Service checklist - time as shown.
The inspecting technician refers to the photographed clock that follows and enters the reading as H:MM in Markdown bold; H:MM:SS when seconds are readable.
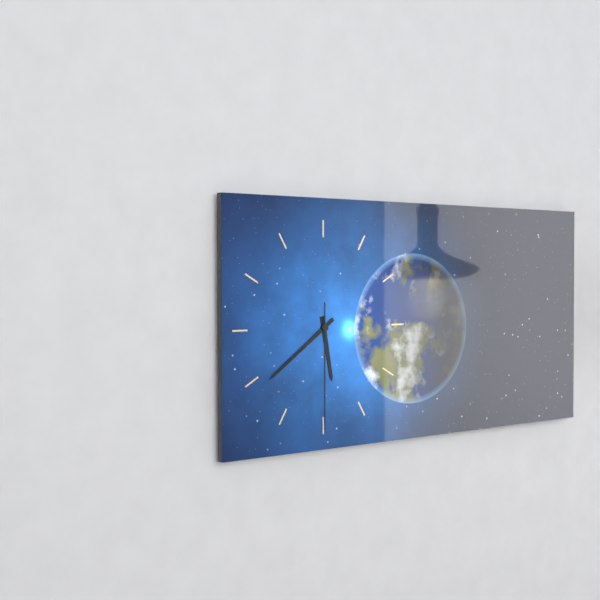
**5:39:30**
